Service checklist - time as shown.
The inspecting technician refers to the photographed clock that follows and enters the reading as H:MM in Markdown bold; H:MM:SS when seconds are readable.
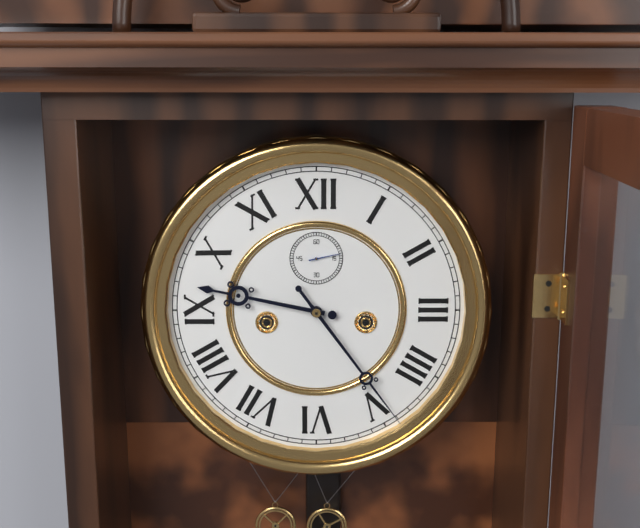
**9:24**
